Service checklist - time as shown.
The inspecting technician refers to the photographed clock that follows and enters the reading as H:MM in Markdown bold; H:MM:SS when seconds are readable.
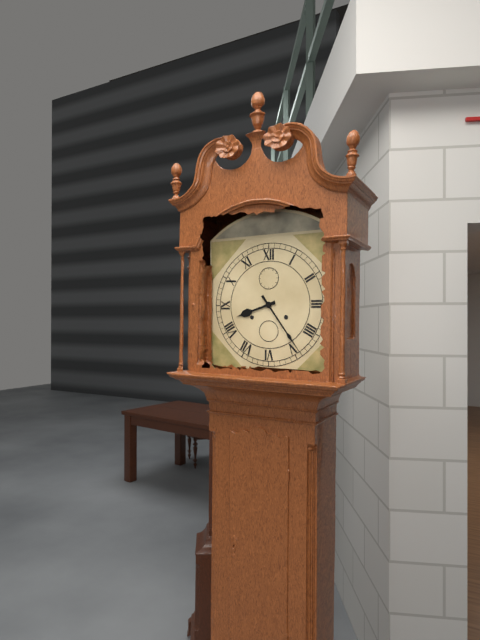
**8:24**
